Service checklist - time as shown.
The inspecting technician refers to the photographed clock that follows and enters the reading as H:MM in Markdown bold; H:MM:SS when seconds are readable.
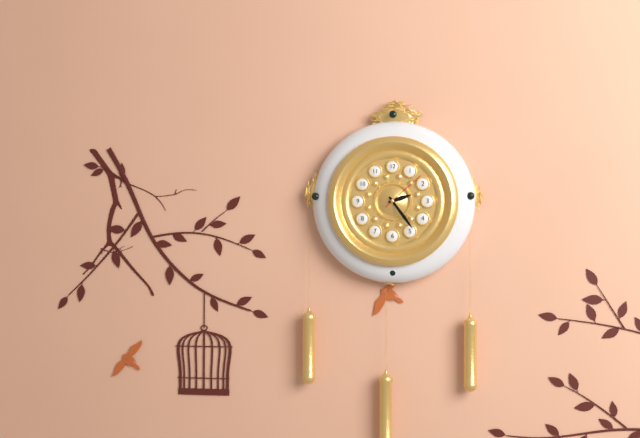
**2:24**
